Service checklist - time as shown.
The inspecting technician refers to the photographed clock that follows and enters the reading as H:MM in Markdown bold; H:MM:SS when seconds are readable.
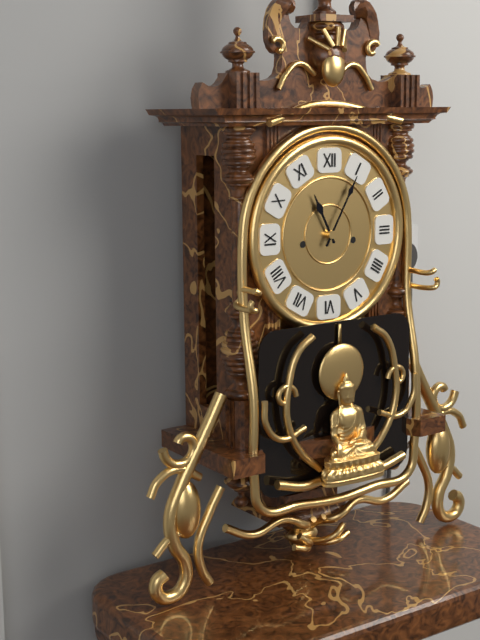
**11:05**
